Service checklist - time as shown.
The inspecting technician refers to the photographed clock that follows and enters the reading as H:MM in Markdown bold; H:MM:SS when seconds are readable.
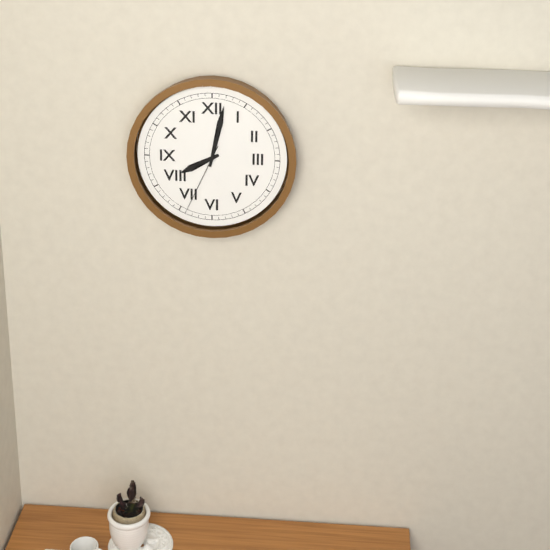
**8:02:34**
